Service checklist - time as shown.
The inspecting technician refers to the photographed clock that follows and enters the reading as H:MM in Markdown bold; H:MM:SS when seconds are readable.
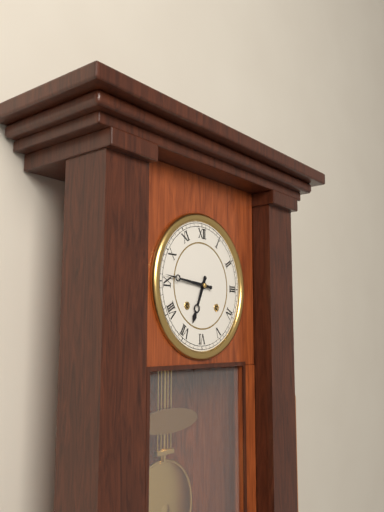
**6:46**
